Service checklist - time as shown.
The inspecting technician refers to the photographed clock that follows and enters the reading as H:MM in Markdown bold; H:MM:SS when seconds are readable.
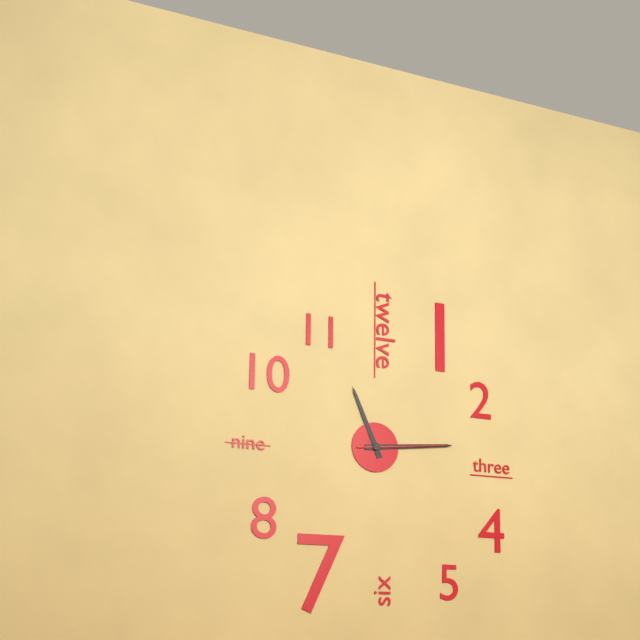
**11:14:14**
